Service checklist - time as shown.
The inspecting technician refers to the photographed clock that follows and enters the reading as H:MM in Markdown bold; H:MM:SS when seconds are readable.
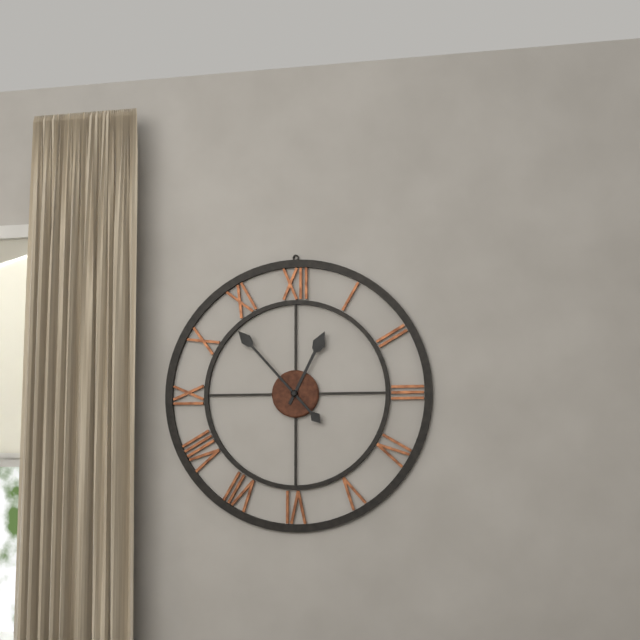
**12:53**
